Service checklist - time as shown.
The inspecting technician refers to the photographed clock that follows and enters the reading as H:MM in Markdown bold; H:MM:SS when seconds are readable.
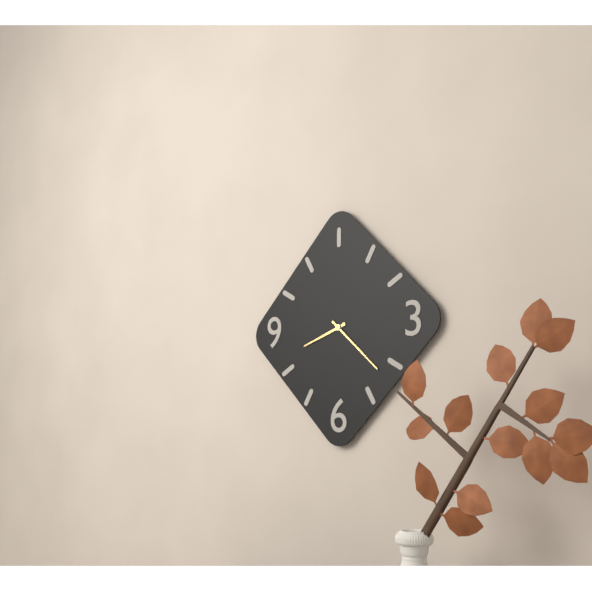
**8:22**
